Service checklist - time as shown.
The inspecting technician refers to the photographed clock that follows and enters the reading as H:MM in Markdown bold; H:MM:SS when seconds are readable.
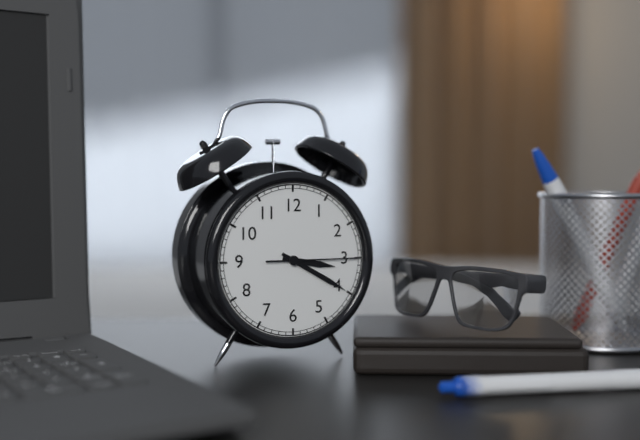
**3:20:15**
